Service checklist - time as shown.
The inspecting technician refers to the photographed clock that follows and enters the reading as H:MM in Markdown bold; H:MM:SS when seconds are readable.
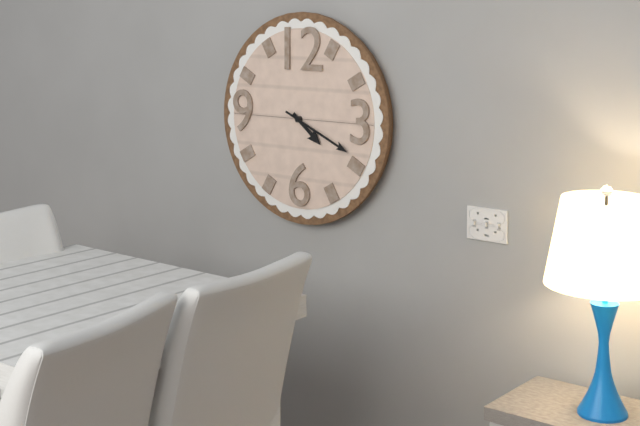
**4:19**
